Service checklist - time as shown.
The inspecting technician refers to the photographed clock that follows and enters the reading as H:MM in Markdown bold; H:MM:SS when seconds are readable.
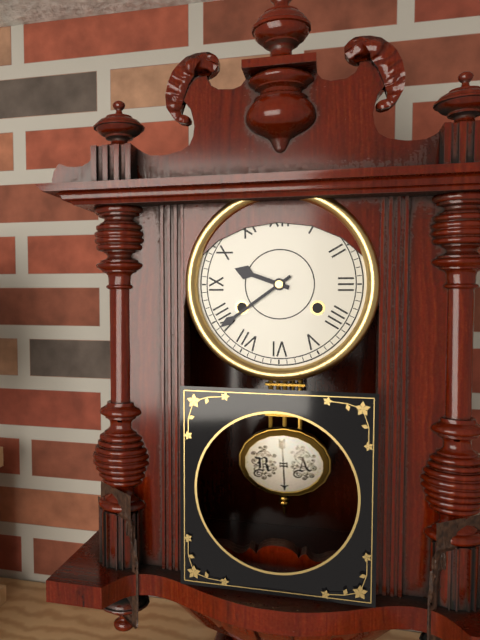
**9:39**
